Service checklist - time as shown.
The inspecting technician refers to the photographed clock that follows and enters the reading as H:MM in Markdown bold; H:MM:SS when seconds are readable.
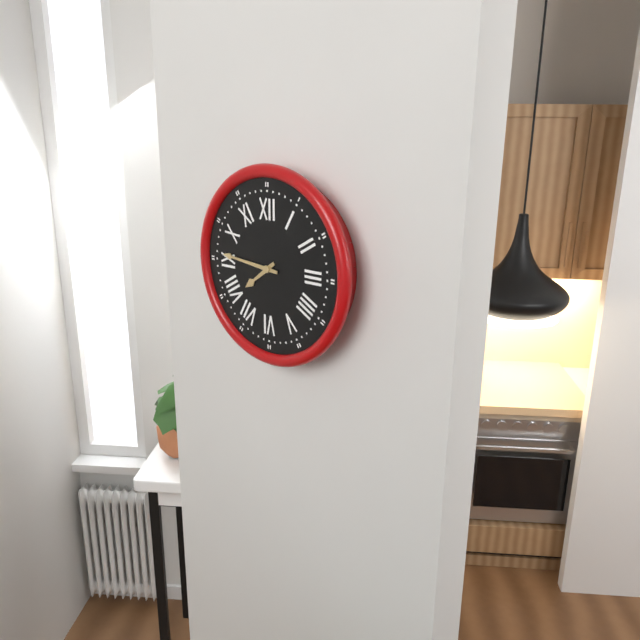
**7:46**
